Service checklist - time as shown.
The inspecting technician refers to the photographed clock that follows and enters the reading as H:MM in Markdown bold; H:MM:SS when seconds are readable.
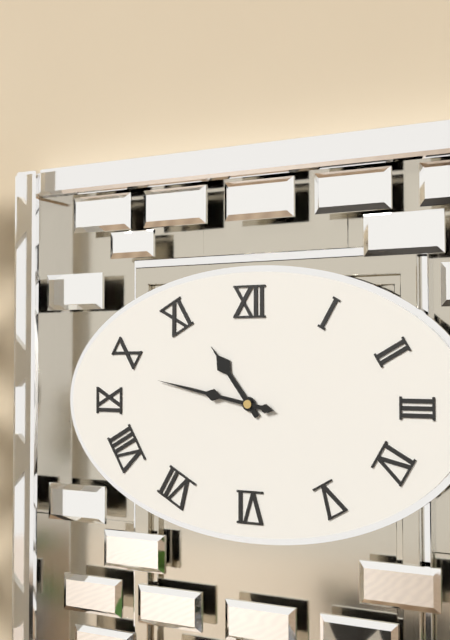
**10:47**
